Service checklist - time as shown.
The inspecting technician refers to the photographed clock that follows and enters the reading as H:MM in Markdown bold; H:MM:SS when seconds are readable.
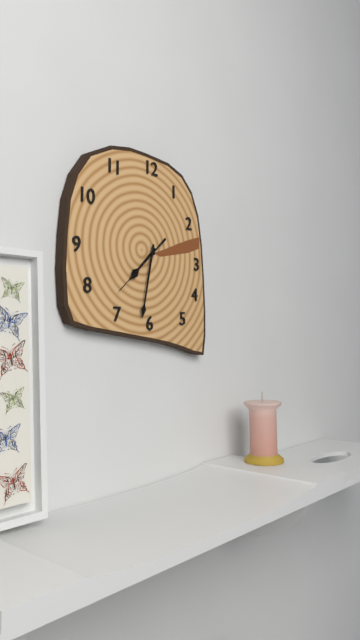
**7:32:38**
